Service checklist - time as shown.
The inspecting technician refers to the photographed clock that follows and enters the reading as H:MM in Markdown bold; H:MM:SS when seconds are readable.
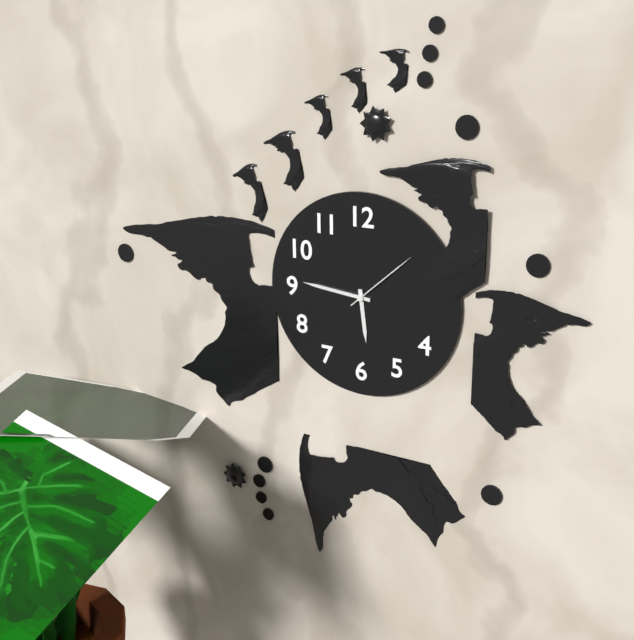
**5:46:08**
